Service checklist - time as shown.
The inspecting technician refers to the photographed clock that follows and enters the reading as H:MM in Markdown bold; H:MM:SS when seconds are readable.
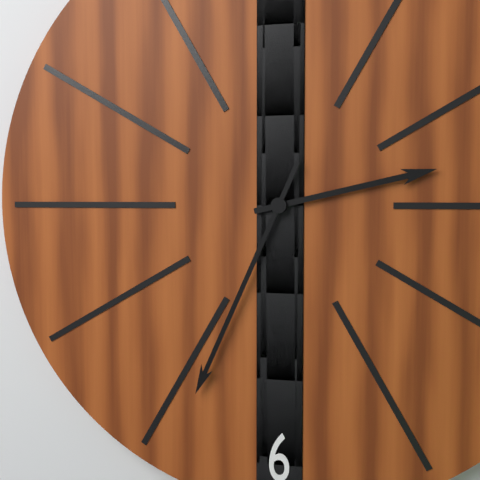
**2:34**
